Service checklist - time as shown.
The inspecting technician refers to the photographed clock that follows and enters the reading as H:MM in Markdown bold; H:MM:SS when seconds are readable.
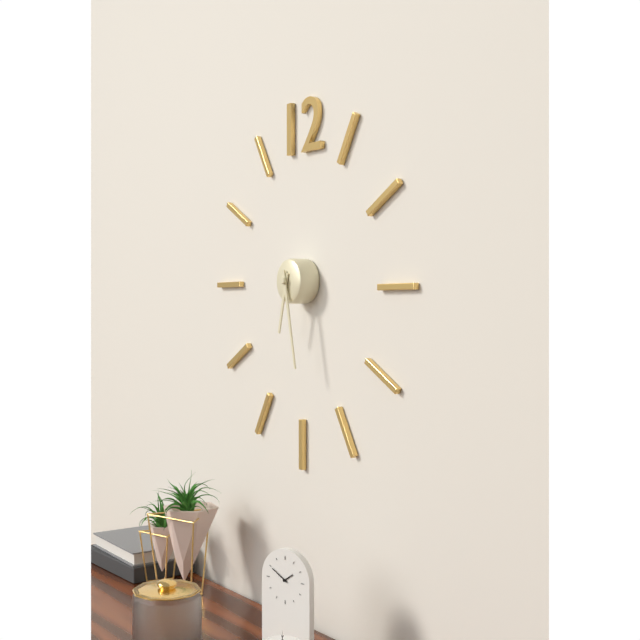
**6:28**
